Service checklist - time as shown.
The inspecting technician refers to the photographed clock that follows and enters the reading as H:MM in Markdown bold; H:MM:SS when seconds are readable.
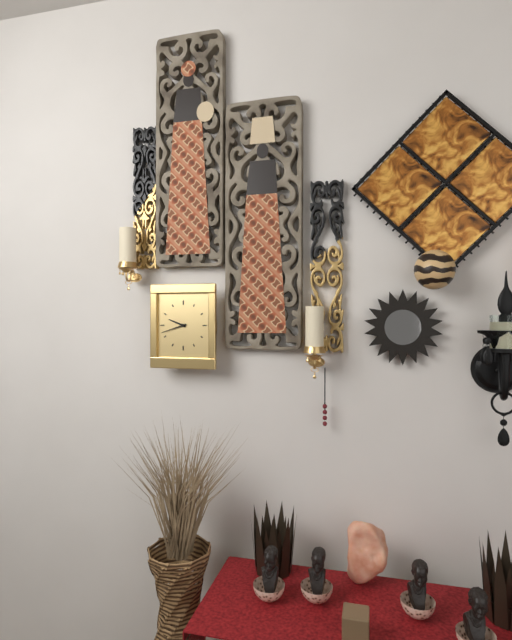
**9:42**
